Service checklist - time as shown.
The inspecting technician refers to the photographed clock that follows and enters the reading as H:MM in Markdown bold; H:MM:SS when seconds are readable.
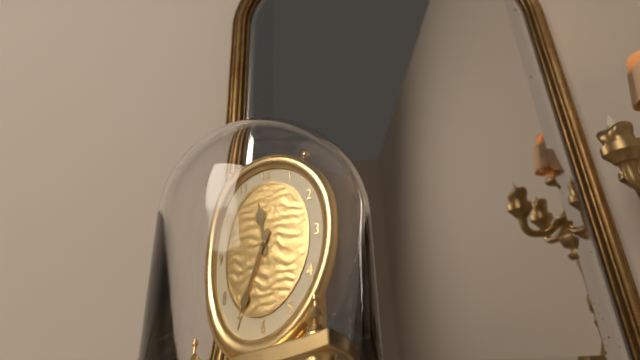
**11:35**
